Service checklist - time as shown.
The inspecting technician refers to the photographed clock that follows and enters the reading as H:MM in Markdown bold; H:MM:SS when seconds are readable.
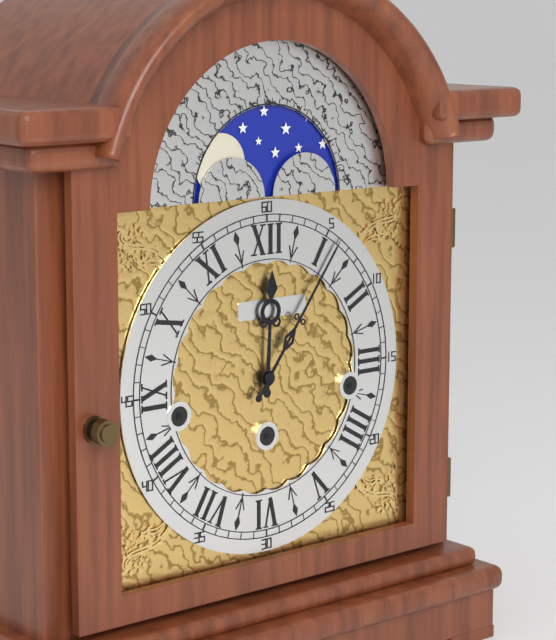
**12:06**
